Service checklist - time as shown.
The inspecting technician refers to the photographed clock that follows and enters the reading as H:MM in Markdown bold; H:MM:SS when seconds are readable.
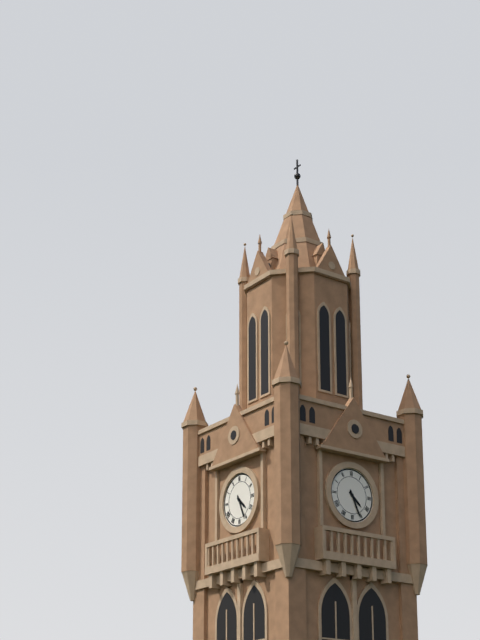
**4:26**
